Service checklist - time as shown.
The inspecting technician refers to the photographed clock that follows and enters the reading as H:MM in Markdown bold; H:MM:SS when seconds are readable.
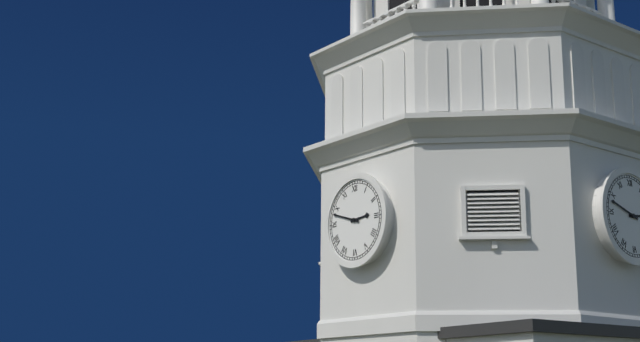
**2:48**
